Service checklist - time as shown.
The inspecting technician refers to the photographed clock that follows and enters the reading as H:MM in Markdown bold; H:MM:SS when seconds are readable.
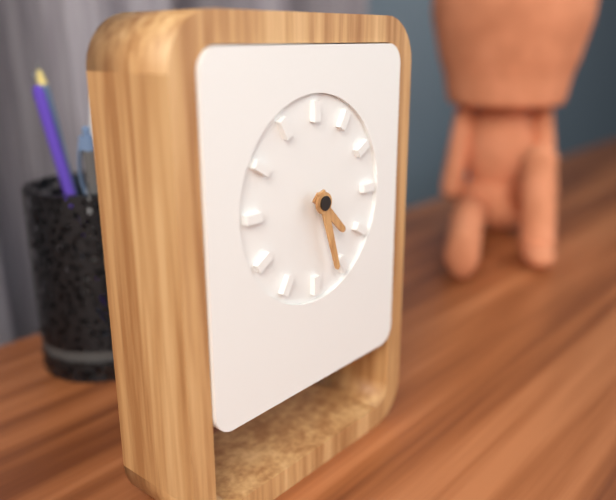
**4:27**
